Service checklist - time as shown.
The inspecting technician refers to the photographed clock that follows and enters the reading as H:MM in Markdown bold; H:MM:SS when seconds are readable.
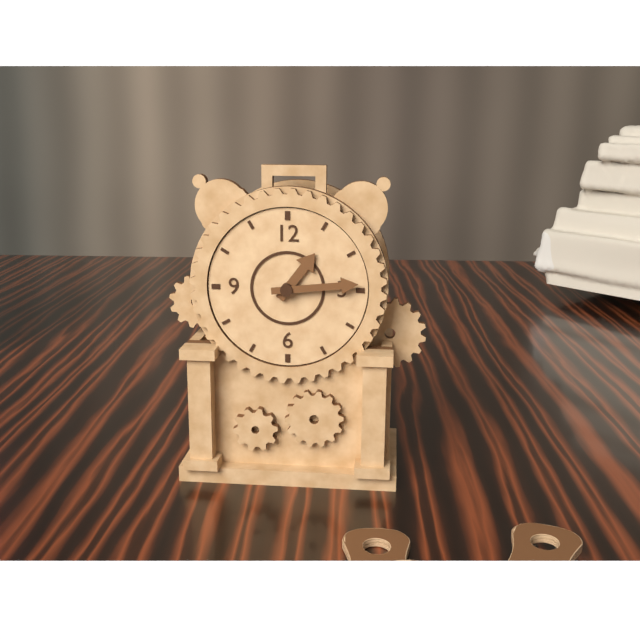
**1:14**
